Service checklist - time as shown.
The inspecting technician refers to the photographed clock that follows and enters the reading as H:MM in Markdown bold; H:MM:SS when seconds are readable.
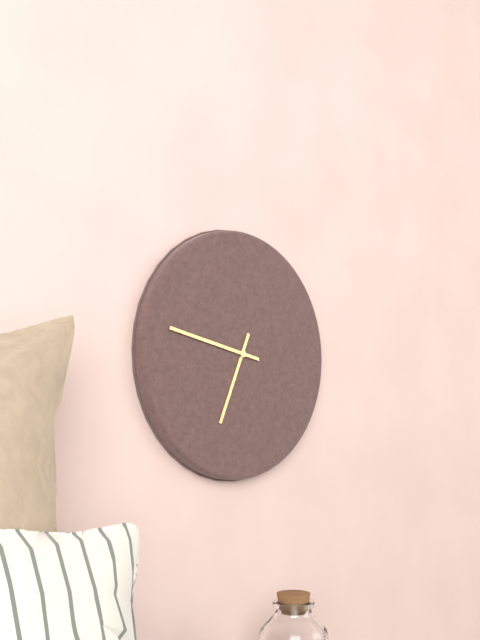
**6:47**
